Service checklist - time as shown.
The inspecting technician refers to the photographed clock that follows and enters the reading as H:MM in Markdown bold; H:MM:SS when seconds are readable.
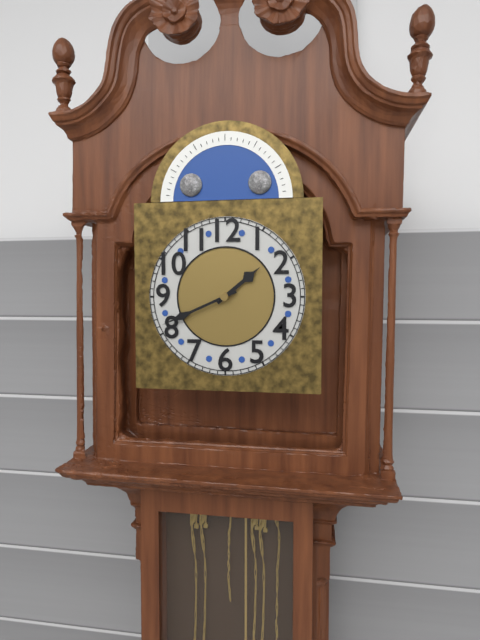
**1:41**
